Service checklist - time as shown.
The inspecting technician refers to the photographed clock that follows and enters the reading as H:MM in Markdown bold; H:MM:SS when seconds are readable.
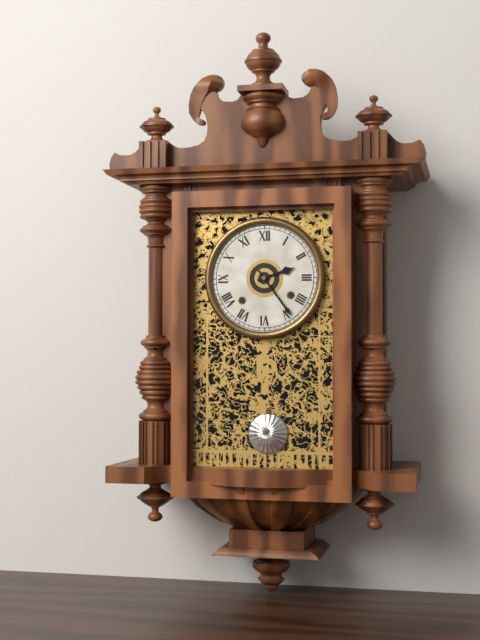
**2:24**
